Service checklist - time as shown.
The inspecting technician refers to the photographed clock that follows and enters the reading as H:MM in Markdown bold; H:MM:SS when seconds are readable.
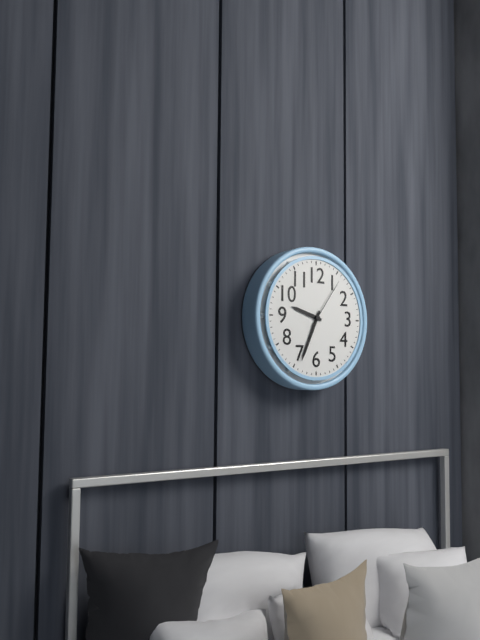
**9:34:06**
